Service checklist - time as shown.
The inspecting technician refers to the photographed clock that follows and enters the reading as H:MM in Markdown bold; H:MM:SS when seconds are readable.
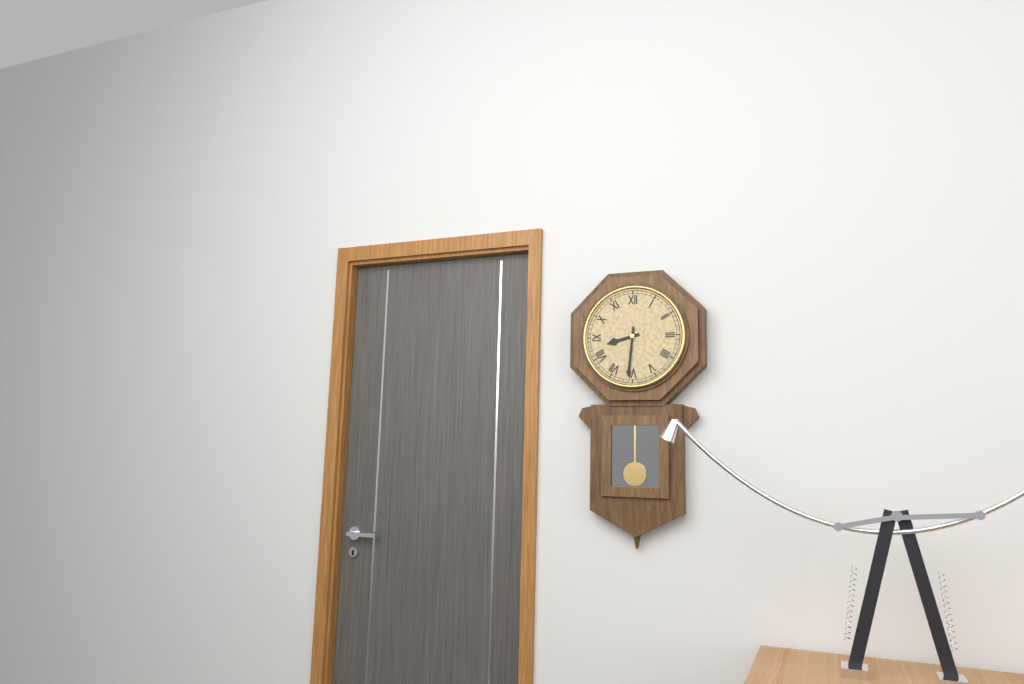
**8:31**
